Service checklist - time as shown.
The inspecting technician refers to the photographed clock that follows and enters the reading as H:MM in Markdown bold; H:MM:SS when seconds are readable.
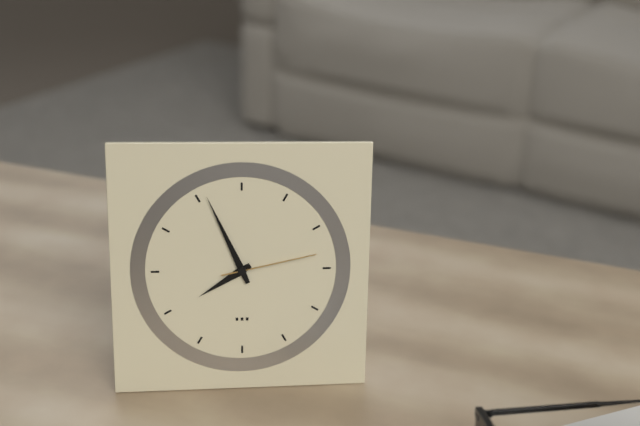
**7:56:13**
